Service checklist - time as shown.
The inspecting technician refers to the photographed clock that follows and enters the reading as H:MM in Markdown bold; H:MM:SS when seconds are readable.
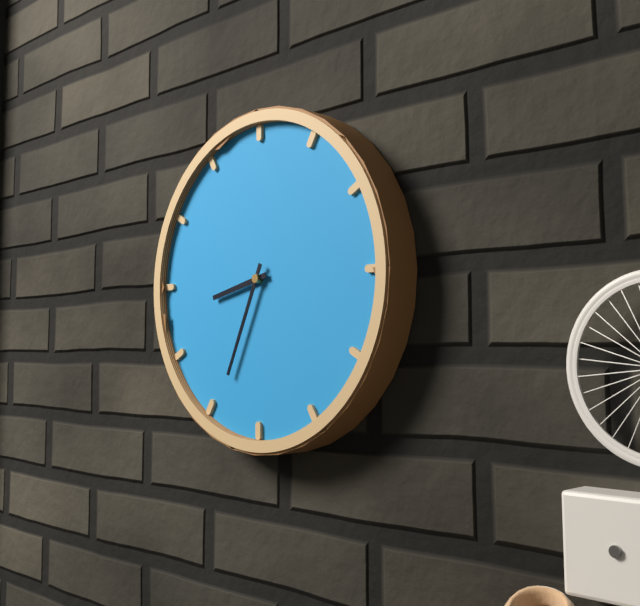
**8:34**
